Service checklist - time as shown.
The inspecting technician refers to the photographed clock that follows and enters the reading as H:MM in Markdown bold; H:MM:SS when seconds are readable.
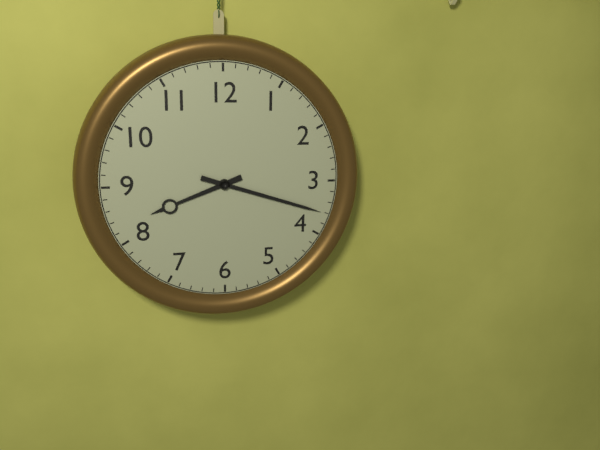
**8:18**
